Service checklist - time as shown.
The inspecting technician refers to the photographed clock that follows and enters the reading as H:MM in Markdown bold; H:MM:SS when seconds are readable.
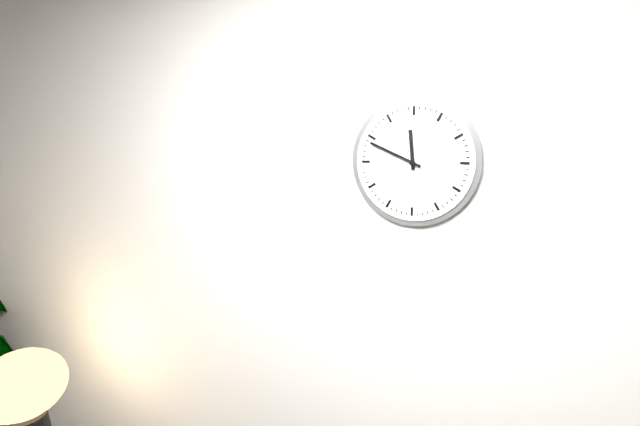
**11:49**
